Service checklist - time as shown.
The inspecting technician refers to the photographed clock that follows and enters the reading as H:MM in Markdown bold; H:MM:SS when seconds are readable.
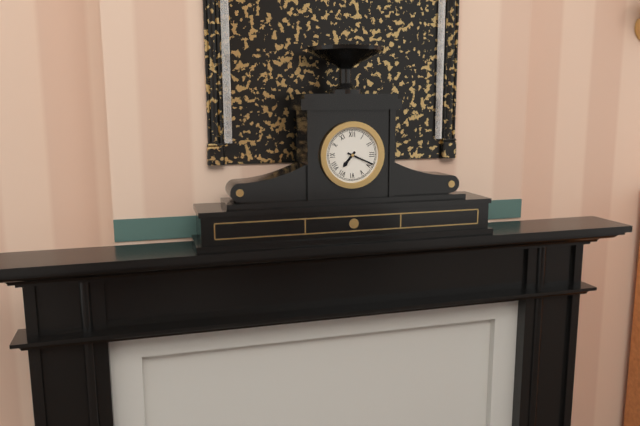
**7:19**
